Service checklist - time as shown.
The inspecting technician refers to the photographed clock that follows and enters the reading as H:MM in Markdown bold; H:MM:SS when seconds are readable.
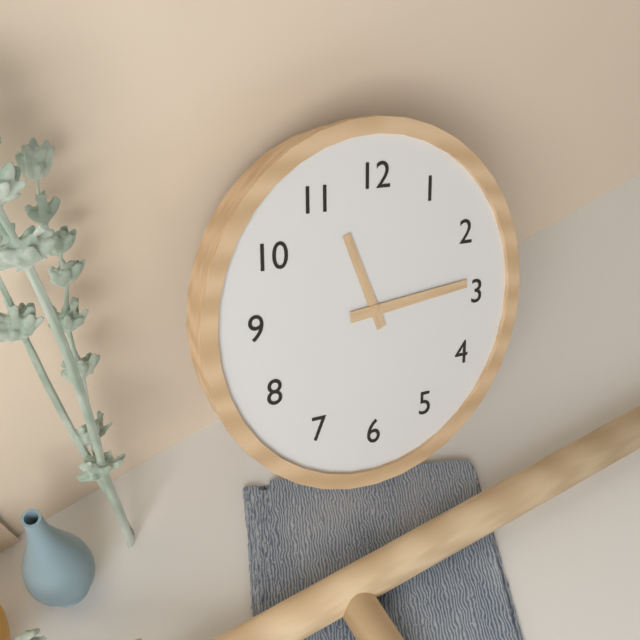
**11:14**
